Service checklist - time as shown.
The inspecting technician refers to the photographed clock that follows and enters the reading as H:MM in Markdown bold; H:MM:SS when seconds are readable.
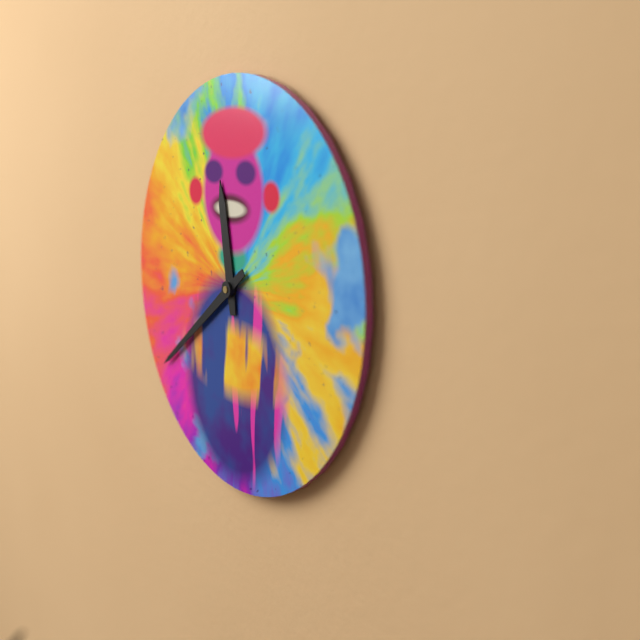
**11:39**
